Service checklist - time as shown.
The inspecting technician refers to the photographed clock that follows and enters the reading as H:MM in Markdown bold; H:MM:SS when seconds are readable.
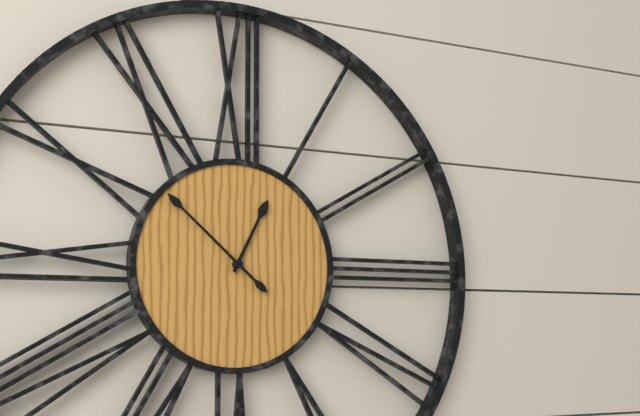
**12:52**
